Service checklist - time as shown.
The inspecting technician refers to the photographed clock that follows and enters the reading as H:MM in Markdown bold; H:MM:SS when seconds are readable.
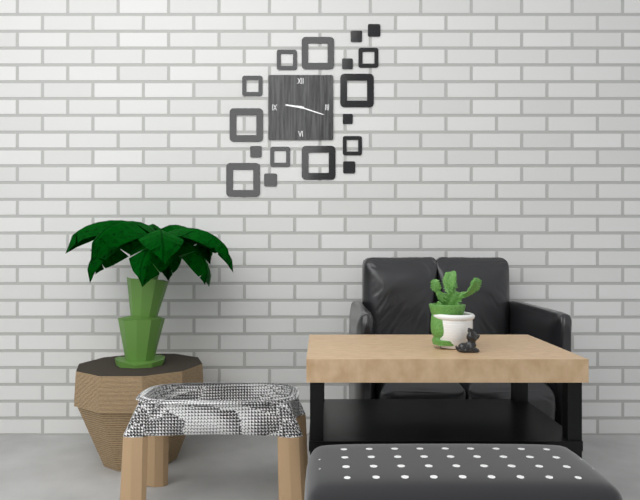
**9:18**
